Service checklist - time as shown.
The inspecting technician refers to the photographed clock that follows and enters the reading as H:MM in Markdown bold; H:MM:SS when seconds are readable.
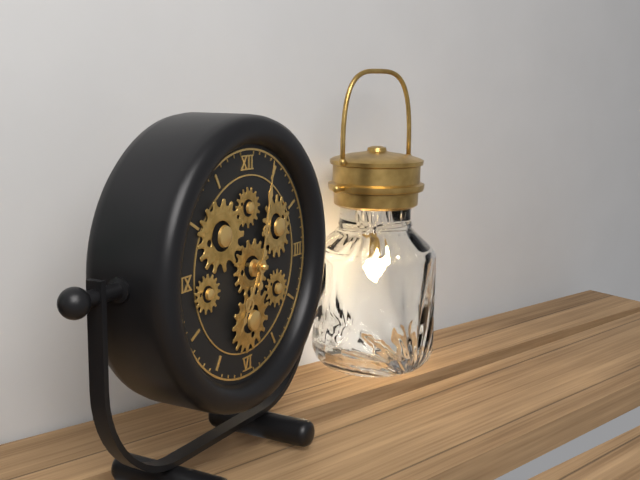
**7:02**
